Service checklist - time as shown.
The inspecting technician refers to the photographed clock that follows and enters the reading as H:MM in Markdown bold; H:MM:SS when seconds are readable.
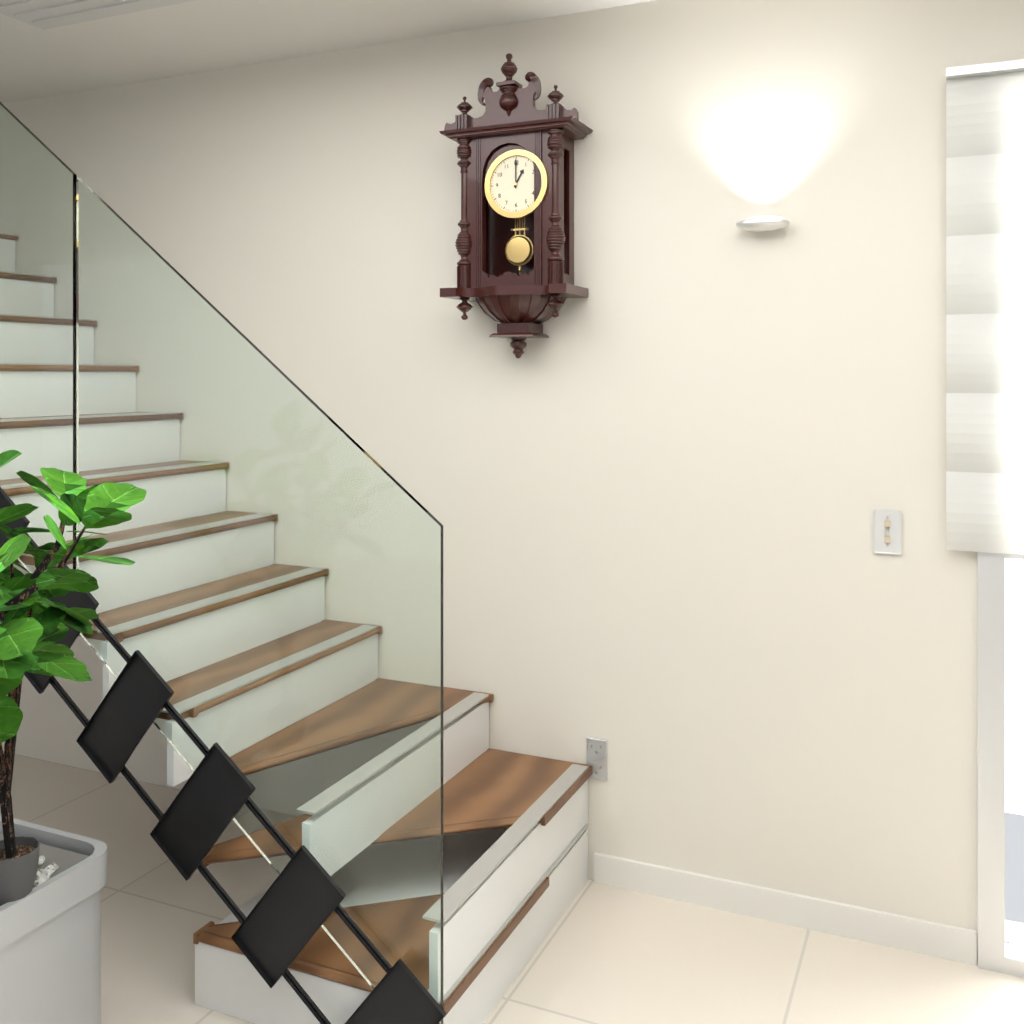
**1:00**
